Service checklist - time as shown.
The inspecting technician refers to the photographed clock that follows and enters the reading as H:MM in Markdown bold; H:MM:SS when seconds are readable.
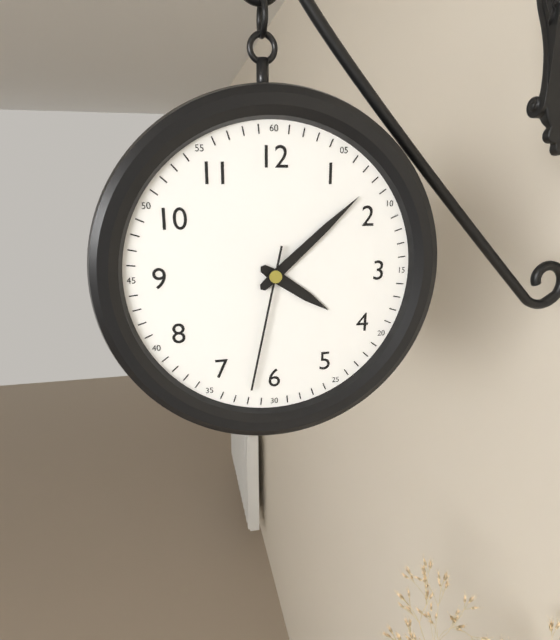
**4:08:32**
